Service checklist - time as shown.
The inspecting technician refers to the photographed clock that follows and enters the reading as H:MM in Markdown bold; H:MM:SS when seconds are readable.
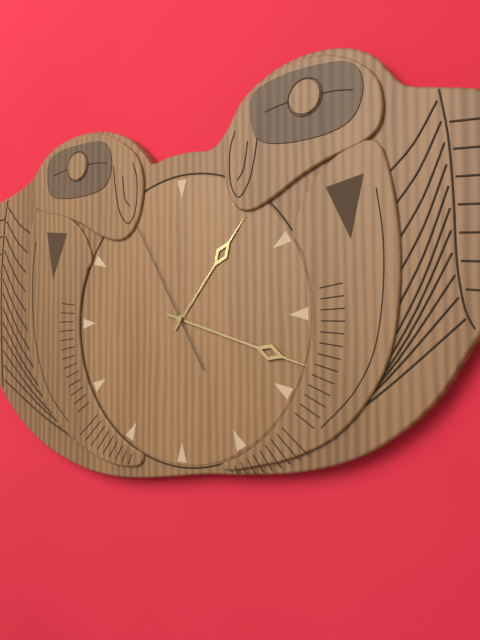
**1:18:55**
